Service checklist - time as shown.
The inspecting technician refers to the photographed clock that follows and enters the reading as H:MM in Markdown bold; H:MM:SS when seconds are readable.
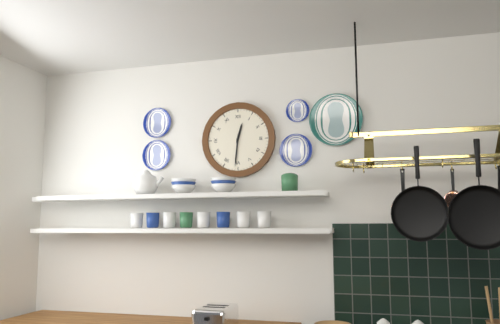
**12:31**
